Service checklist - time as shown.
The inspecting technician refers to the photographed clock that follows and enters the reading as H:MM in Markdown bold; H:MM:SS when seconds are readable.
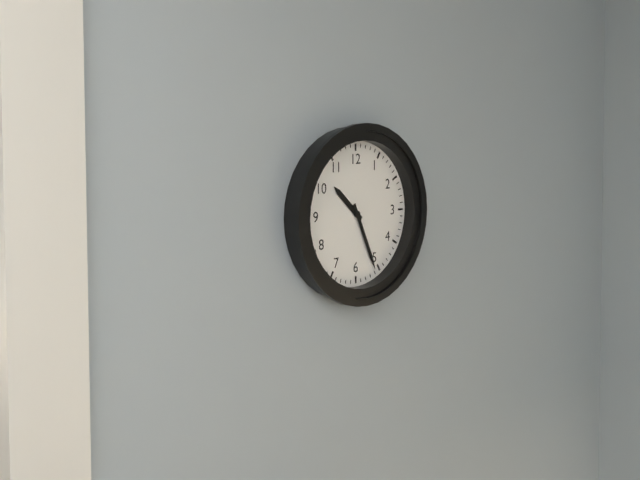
**10:26**
